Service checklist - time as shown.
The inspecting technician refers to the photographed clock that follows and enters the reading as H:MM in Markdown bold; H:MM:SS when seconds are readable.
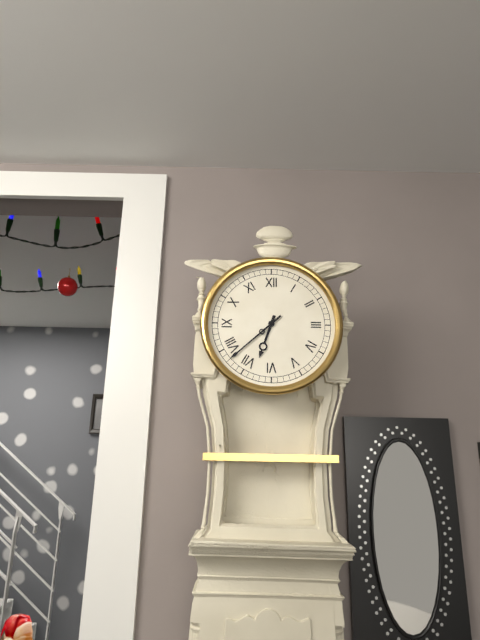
**6:38**
